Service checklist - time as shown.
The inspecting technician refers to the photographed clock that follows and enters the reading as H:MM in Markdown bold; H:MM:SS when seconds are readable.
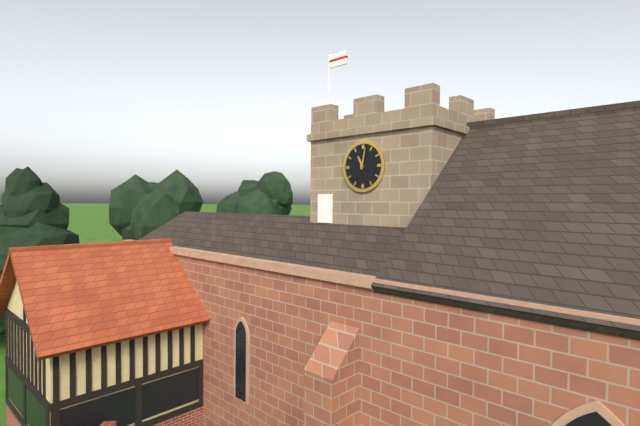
**11:02**
